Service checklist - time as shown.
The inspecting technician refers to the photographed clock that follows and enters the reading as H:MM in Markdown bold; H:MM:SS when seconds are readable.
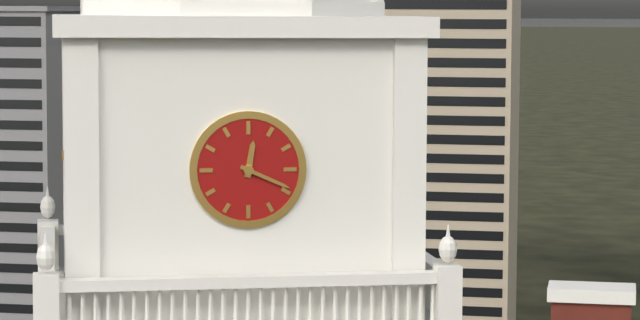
**12:19**
